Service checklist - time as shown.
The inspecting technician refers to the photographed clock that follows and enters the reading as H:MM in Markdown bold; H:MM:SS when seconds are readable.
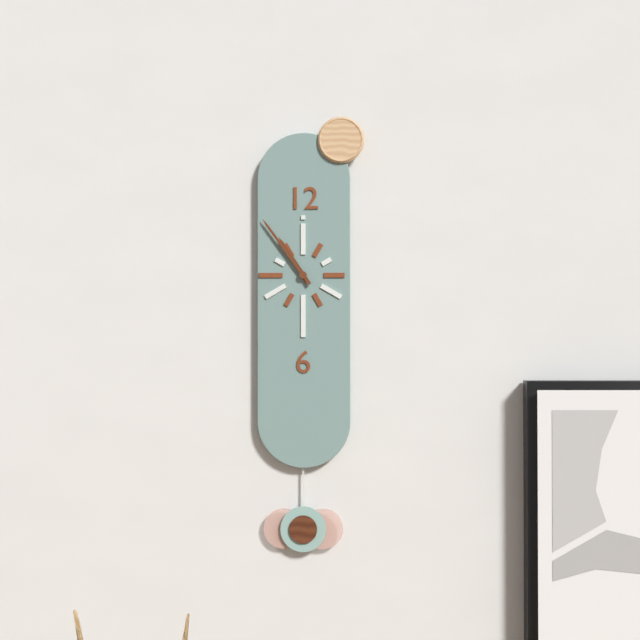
**10:54**
